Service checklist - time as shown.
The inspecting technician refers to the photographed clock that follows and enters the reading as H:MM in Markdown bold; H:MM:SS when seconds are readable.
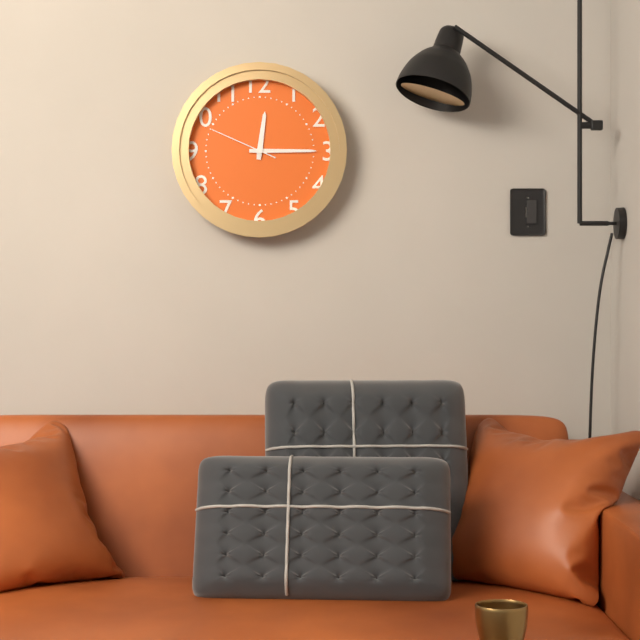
**12:15:49**
